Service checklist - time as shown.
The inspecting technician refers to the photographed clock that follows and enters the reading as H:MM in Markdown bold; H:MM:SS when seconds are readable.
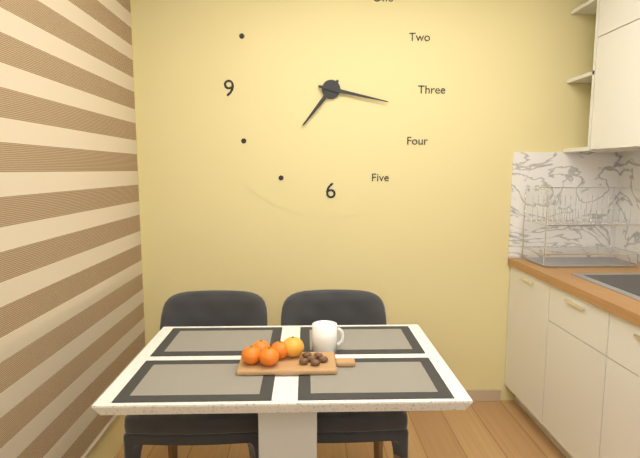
**7:17**
